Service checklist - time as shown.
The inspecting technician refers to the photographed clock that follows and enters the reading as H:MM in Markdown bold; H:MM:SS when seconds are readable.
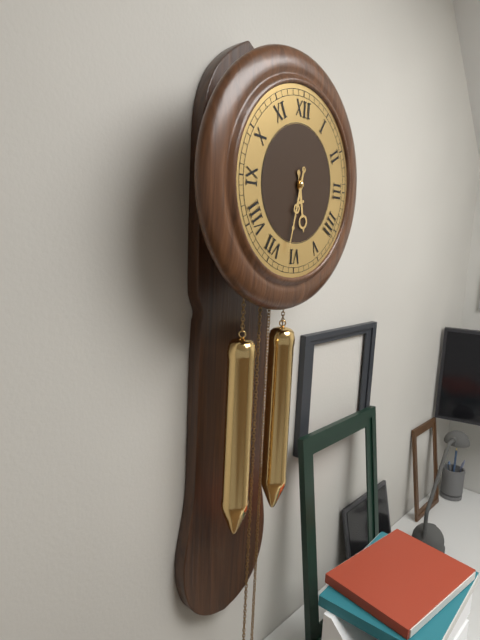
**5:32**
